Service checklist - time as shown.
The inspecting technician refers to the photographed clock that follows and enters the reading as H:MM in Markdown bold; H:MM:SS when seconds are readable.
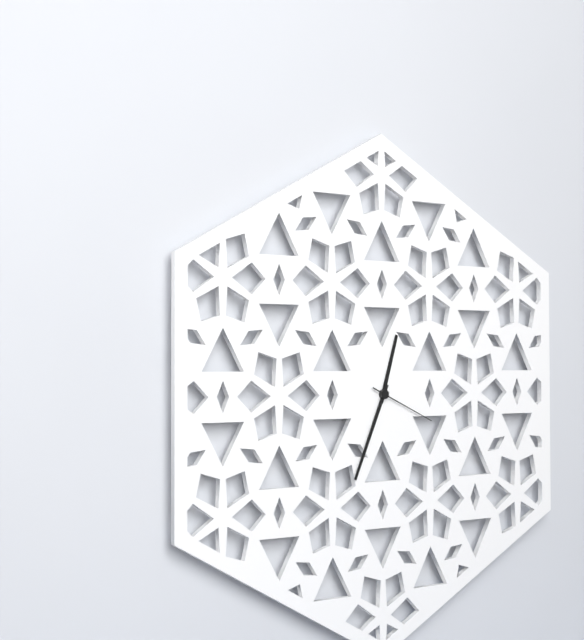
**12:34:19**
